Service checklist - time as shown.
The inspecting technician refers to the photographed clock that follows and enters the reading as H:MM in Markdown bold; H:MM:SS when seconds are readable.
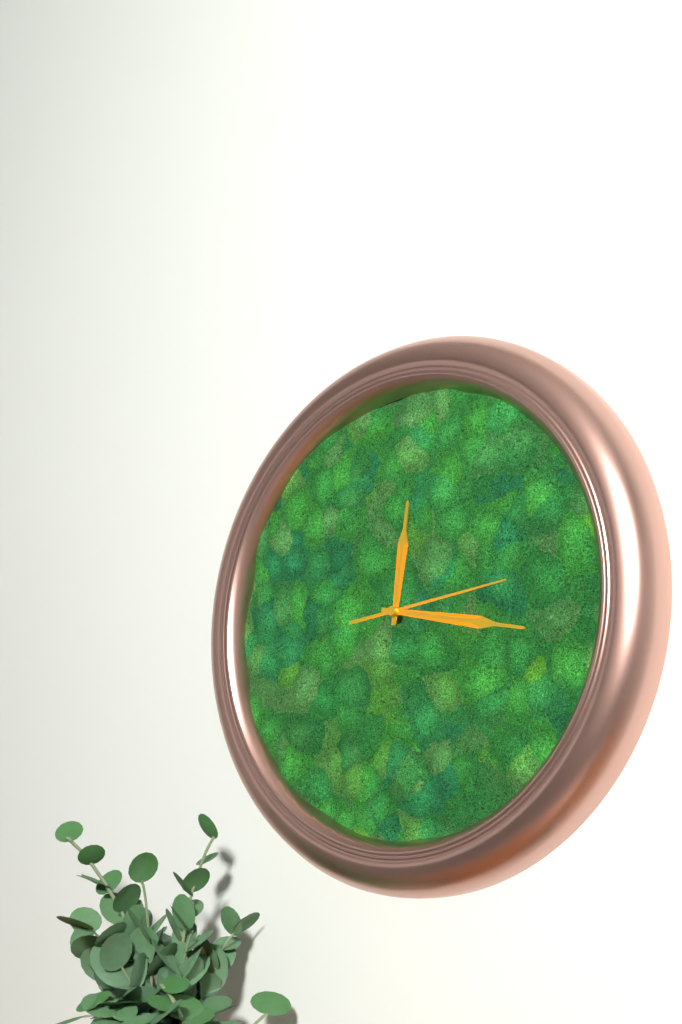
**12:17:14**
